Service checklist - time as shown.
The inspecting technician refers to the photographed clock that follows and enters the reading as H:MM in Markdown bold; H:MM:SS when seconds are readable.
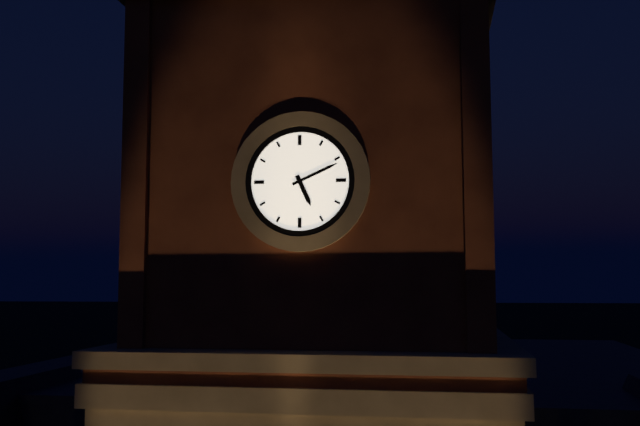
**5:11**
